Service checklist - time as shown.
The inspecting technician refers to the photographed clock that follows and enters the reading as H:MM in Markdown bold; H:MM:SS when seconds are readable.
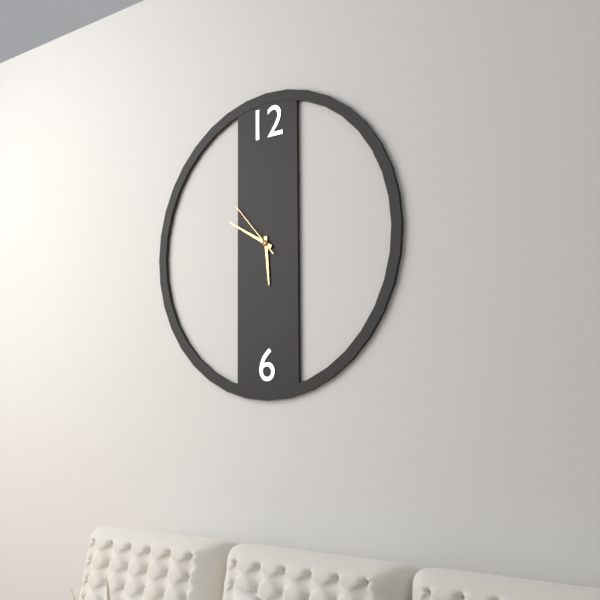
**5:50:53**
